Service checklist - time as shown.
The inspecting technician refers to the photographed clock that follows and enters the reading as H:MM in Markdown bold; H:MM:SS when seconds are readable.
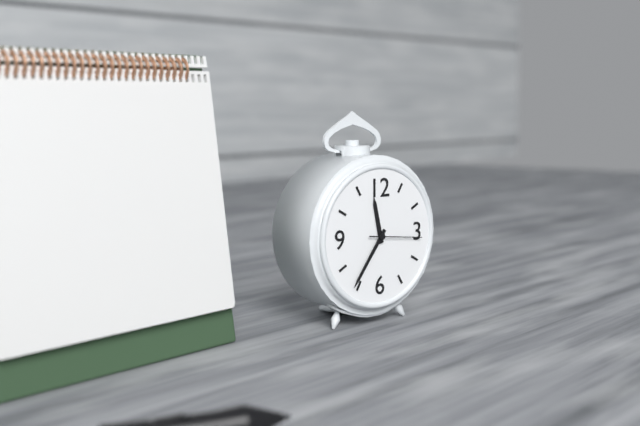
**11:36:16**
